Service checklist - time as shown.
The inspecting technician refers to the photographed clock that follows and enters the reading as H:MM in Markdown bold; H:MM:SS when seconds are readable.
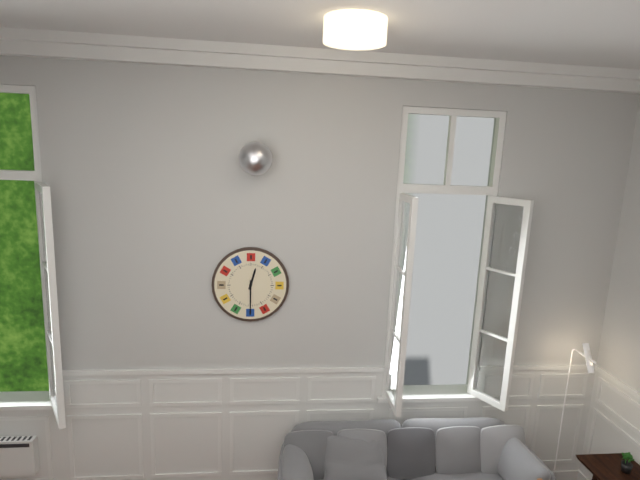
**12:30**
